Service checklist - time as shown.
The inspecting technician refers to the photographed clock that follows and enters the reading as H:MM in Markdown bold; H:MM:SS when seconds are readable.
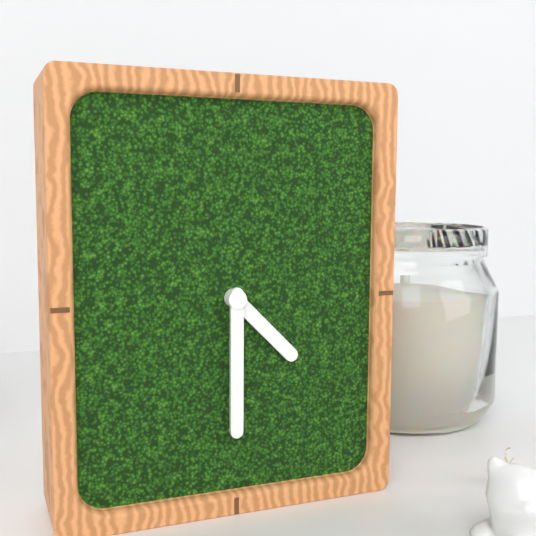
**4:30**
